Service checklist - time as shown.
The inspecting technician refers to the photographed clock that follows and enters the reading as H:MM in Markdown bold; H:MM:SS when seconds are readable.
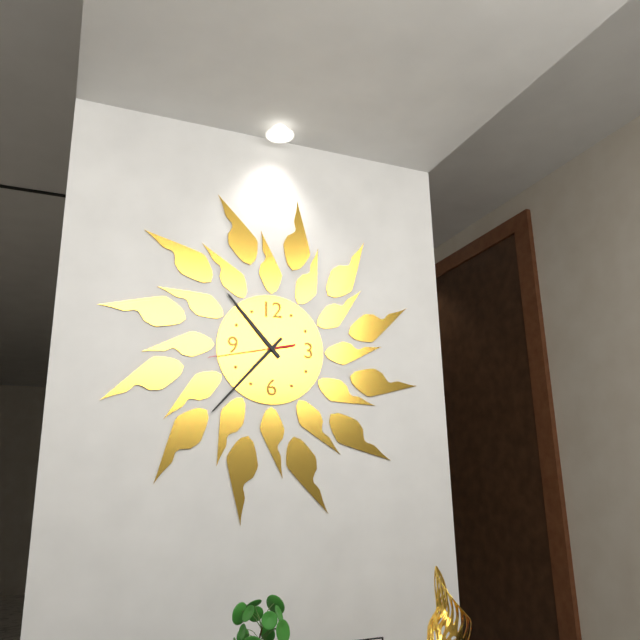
**10:37:43**
